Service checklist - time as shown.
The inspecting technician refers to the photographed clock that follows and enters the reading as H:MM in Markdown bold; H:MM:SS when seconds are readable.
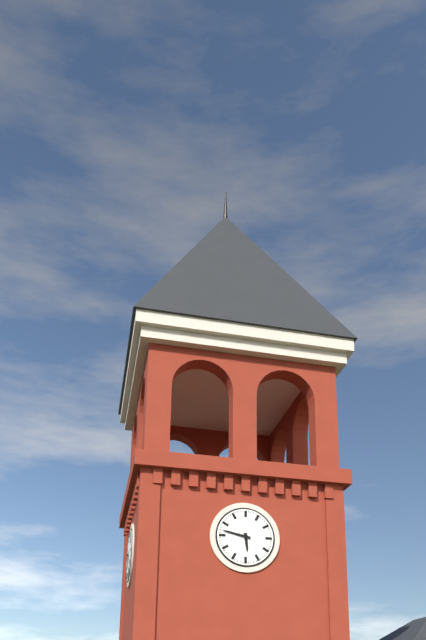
**5:47**
